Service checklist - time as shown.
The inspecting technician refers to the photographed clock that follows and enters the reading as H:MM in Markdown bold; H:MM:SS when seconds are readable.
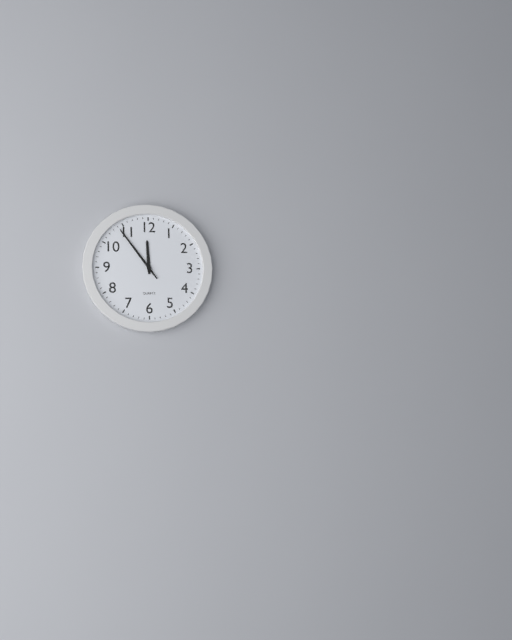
**11:54**
